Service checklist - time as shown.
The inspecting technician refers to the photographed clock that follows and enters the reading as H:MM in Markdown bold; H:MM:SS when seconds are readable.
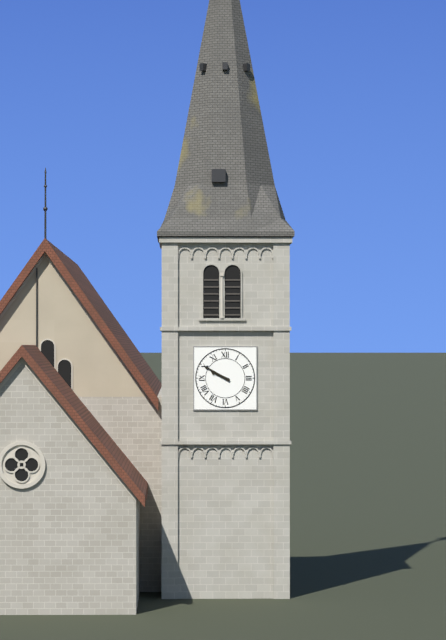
**9:50**
